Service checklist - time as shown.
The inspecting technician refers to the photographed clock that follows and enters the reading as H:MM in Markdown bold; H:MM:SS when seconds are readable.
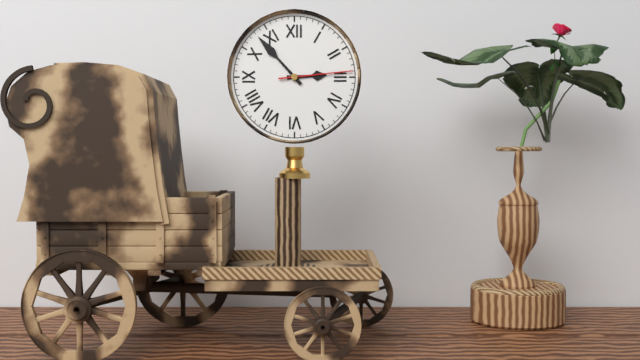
**2:53:14**
